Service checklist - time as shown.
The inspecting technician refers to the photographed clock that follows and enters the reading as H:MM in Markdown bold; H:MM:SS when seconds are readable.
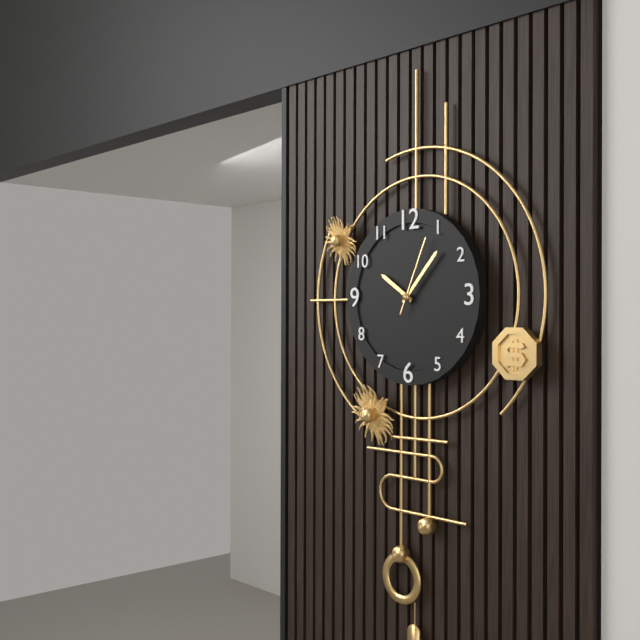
**10:07:04**
